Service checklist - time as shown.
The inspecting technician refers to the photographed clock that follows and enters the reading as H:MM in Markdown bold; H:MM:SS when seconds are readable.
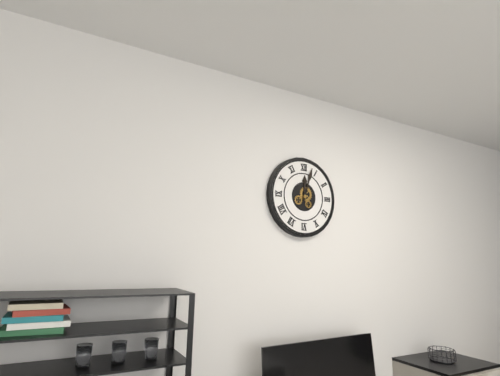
**12:03**
